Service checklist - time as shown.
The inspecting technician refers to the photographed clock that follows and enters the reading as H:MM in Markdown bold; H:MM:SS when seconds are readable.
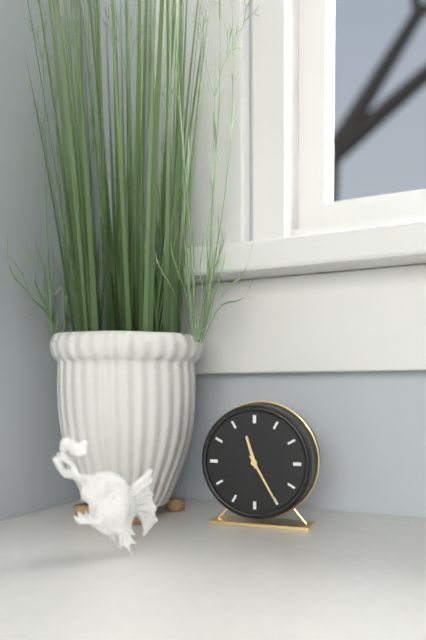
**11:25**
